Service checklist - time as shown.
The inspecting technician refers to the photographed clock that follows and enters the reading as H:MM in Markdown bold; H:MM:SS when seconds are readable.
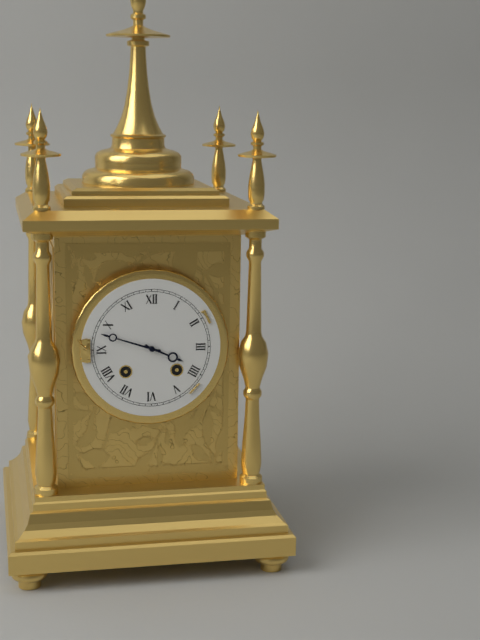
**3:48**
